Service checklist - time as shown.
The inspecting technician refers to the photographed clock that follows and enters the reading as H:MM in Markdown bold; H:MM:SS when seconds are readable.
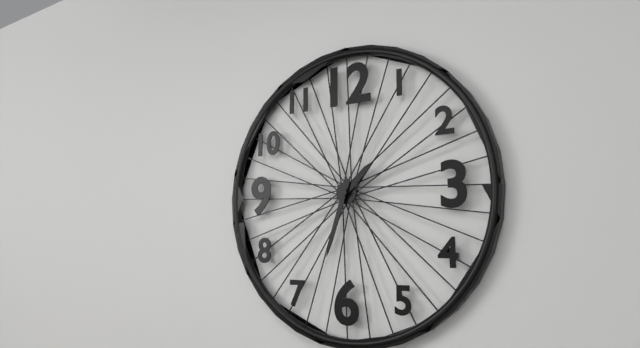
**1:33**
